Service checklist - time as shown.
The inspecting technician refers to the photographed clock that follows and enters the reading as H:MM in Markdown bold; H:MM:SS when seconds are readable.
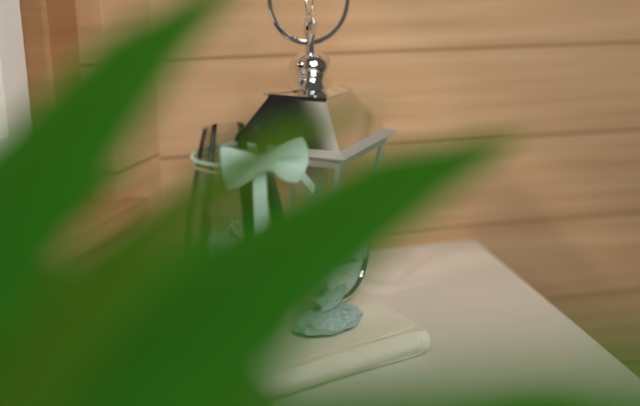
**12:18**
